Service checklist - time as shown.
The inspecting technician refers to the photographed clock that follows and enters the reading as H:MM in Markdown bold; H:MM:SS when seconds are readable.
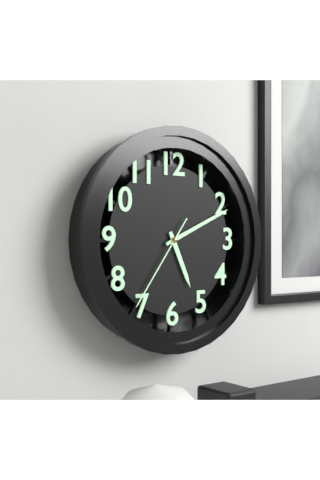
**5:11:36**
